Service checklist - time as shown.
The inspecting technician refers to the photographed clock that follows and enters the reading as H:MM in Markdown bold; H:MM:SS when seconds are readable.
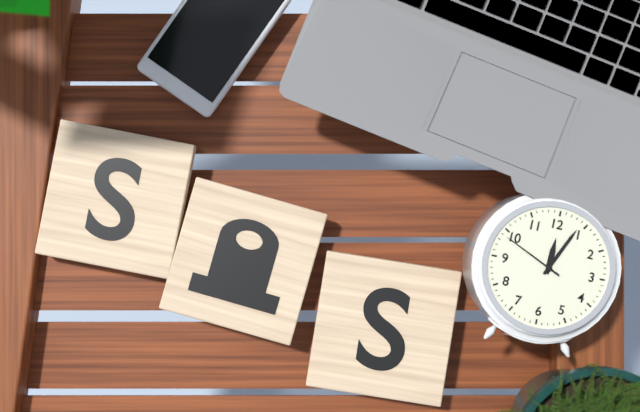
**12:04:49**
